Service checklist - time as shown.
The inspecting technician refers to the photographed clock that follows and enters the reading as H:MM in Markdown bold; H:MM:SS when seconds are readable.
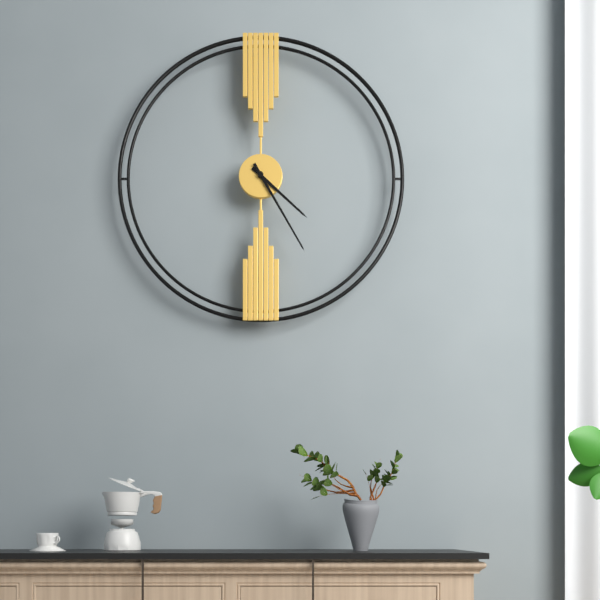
**4:25**
